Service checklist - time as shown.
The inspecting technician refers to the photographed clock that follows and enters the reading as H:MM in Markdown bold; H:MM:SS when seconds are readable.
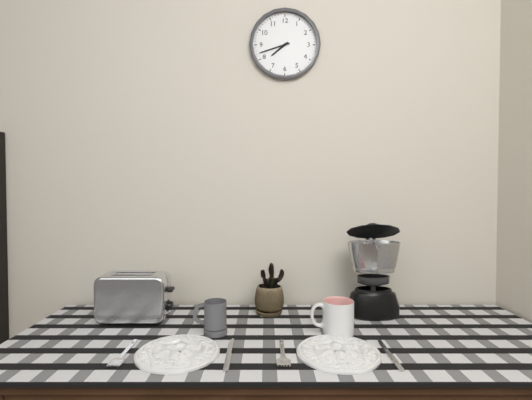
**7:42**
